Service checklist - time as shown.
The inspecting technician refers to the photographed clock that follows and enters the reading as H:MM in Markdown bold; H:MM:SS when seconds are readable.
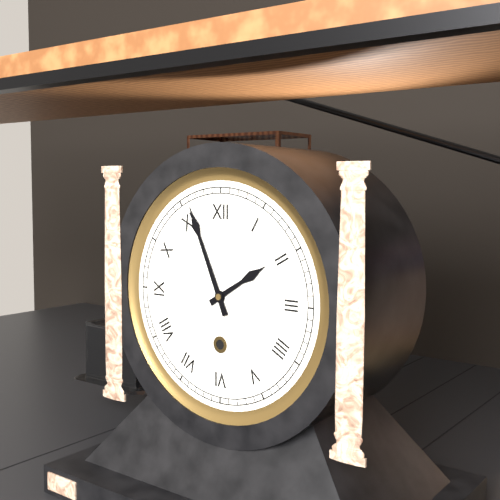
**1:56**
